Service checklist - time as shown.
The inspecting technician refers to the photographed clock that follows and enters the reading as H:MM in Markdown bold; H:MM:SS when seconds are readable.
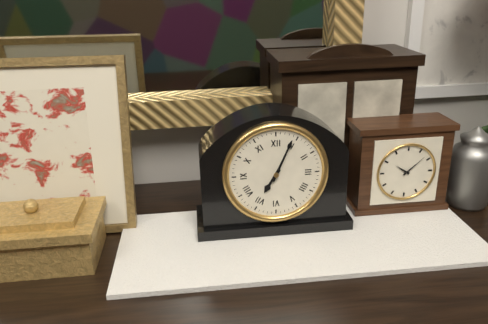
**7:04**
